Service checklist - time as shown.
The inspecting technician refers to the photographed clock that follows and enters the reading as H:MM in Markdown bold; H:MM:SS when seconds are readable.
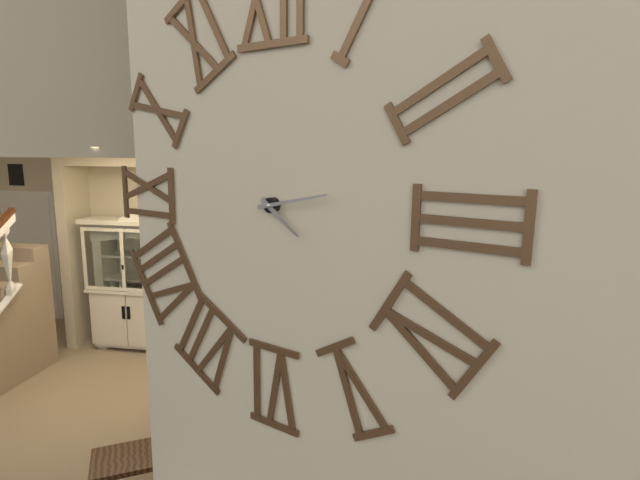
**4:13**
